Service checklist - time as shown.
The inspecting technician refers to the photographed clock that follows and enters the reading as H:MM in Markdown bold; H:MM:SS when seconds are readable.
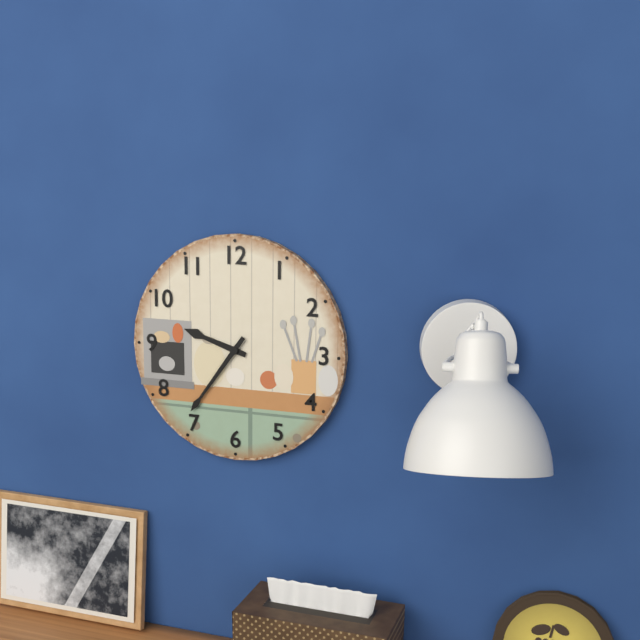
**9:36**
